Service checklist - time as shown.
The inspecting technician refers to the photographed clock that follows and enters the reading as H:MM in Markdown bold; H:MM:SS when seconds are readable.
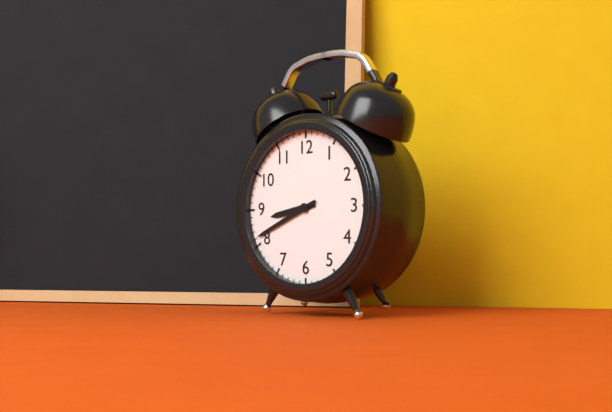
**8:41**
